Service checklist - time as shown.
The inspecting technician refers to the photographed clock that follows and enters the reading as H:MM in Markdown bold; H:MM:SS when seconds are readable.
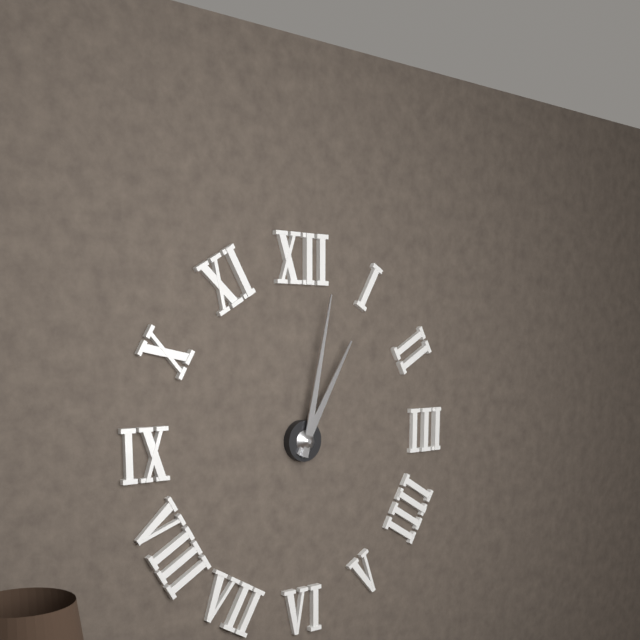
**1:02**
